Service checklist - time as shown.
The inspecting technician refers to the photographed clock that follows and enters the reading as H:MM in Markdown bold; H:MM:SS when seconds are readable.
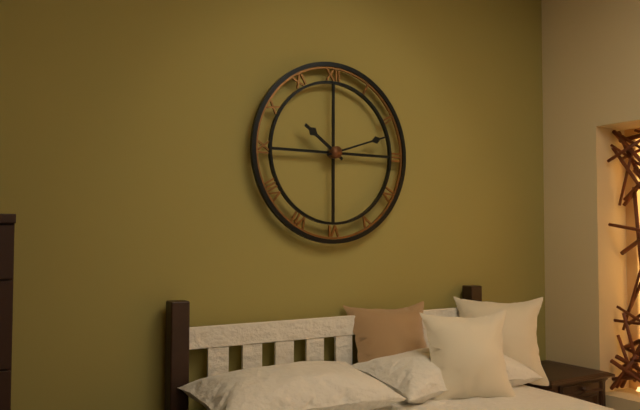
**10:12**
